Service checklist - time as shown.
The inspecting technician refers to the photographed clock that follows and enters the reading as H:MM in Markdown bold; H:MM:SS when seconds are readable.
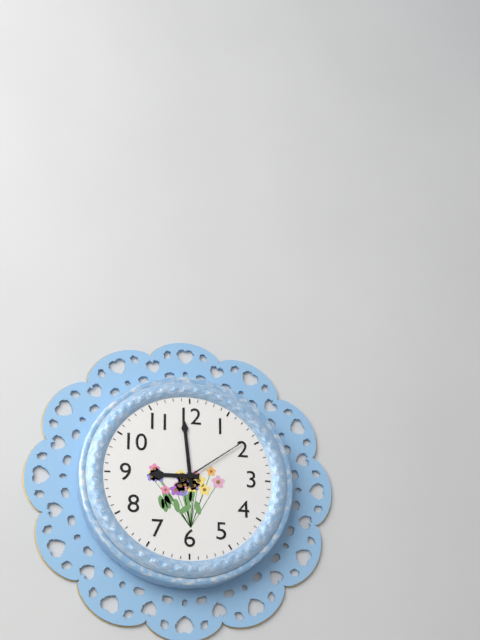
**8:59:09**
